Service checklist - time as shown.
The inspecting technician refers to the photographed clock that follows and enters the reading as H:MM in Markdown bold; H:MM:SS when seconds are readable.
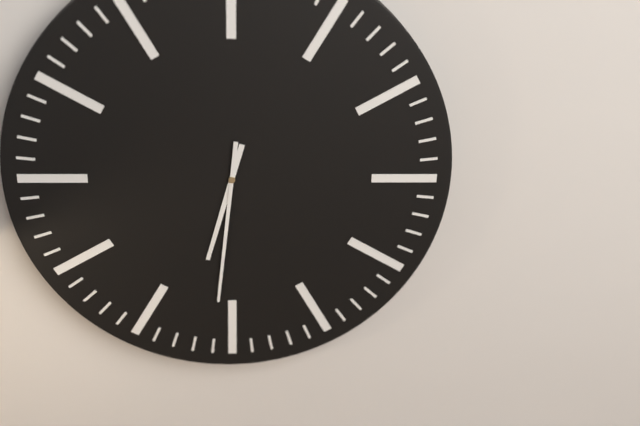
**6:31**
